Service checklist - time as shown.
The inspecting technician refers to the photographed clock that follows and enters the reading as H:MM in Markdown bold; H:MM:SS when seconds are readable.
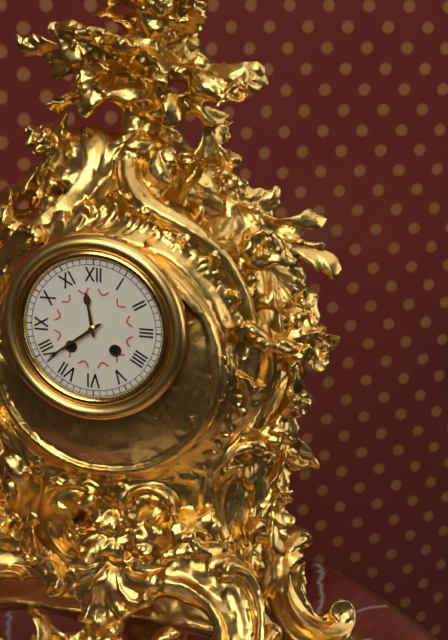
**11:39**
